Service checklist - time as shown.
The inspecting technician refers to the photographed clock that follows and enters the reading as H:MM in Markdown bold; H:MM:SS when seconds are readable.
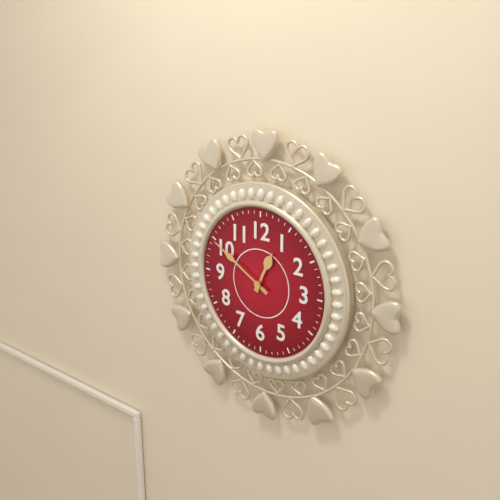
**12:50**
